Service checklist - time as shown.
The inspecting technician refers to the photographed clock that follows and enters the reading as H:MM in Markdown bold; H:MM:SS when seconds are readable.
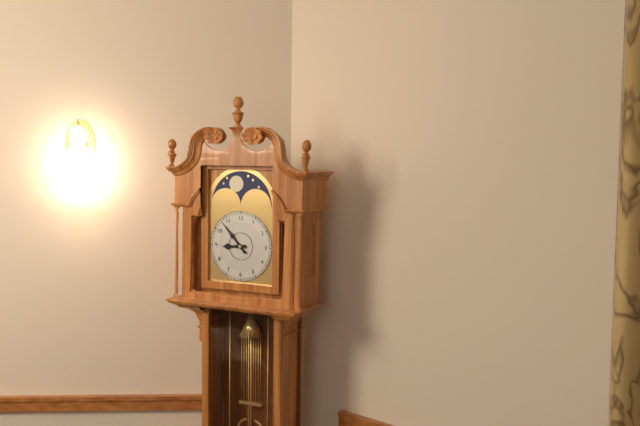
**8:53**
